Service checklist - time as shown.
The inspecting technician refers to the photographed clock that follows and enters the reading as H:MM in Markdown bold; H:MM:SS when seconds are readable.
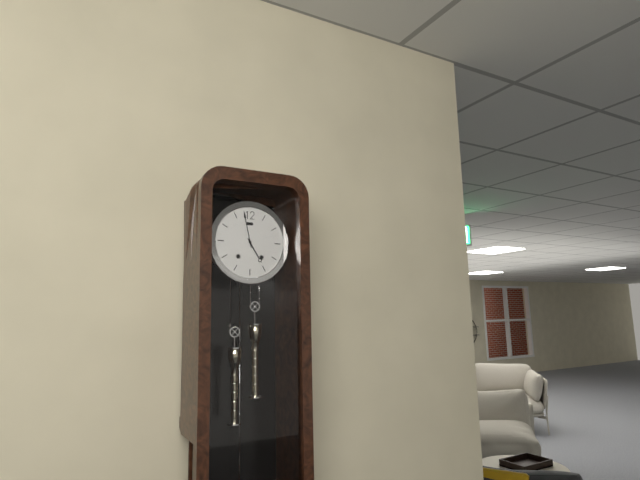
**4:58**
